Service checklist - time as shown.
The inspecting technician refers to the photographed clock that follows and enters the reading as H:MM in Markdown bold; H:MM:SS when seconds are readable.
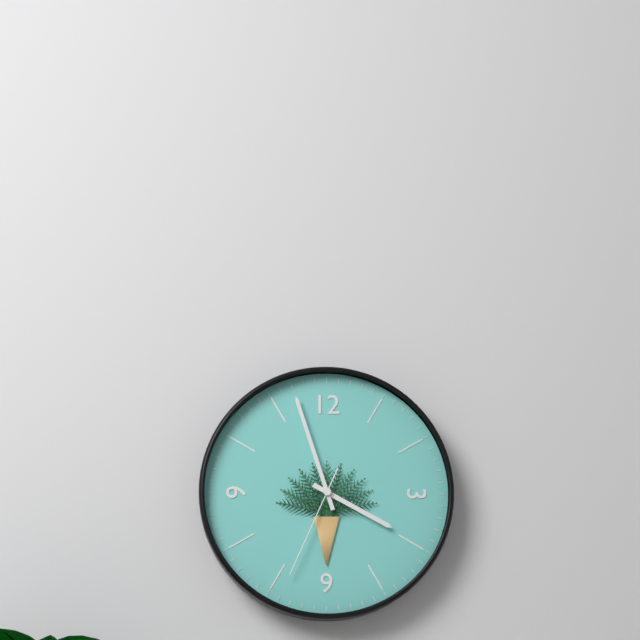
**3:57:34**
